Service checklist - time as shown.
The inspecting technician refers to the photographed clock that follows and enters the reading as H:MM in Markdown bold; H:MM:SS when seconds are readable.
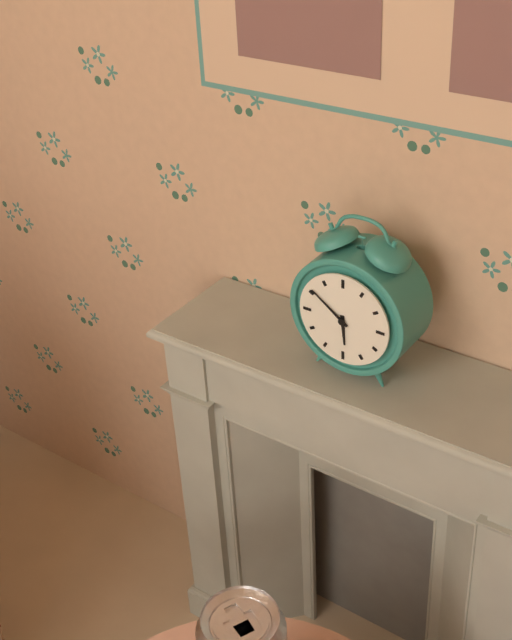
**5:51**
